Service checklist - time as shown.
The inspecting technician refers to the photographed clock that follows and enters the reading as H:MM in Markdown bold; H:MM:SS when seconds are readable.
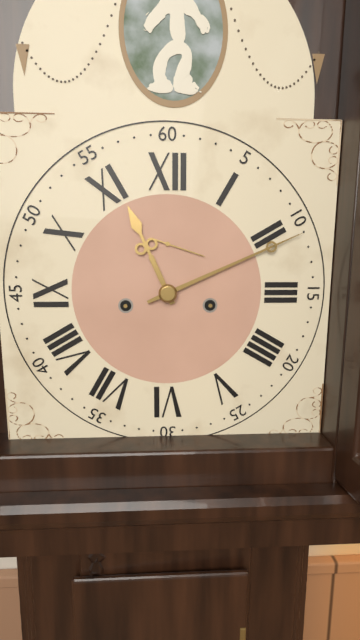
**11:11:18**
